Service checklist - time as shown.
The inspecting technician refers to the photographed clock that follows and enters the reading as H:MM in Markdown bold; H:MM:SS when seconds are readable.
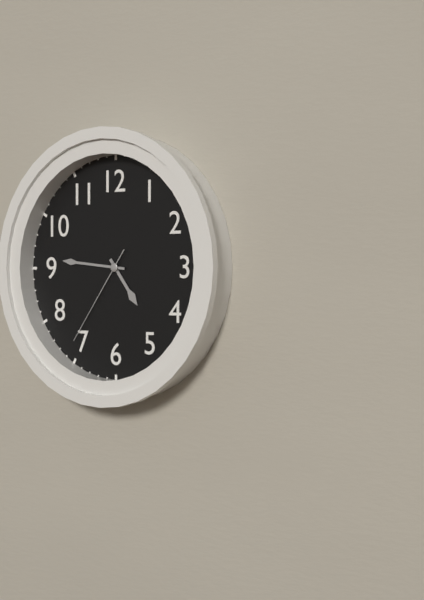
**4:46:36**
